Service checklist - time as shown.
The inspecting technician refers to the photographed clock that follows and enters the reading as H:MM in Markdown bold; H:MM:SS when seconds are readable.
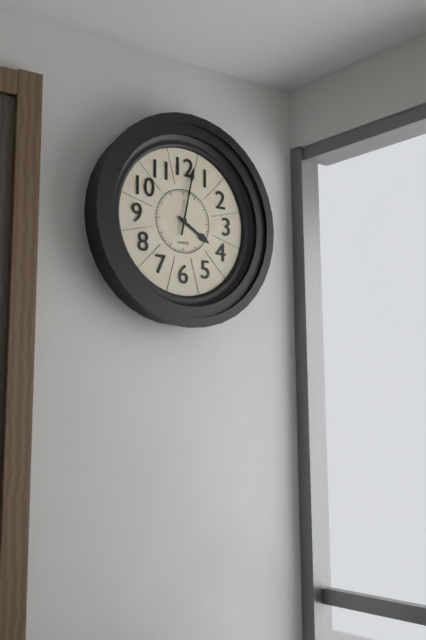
**4:02**
